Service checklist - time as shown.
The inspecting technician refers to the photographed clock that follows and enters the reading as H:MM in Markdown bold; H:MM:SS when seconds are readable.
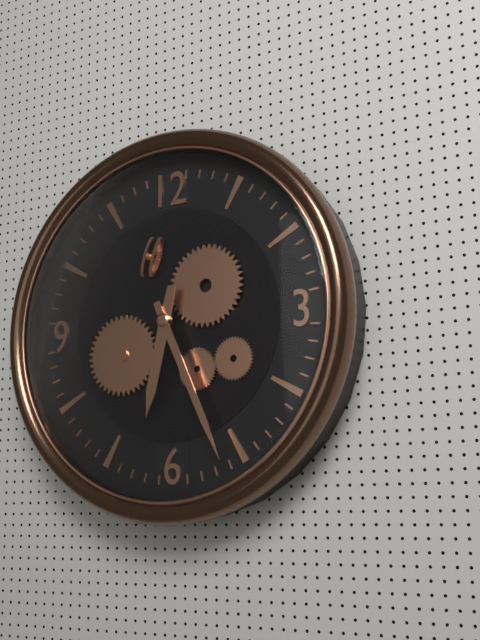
**6:26**
